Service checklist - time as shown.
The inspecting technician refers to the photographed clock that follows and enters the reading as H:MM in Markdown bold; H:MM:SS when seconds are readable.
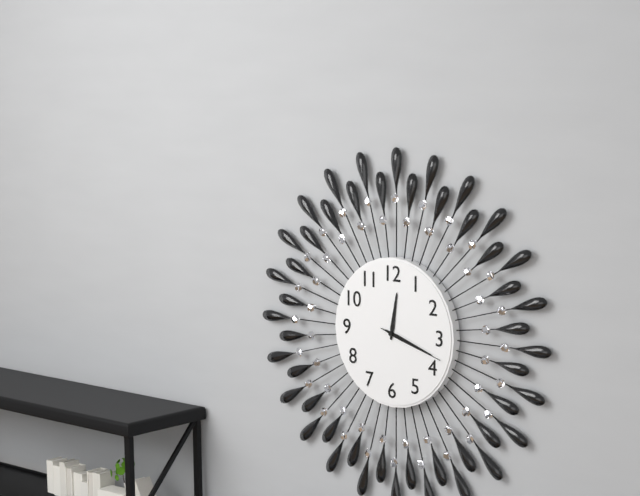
**12:18:18**
